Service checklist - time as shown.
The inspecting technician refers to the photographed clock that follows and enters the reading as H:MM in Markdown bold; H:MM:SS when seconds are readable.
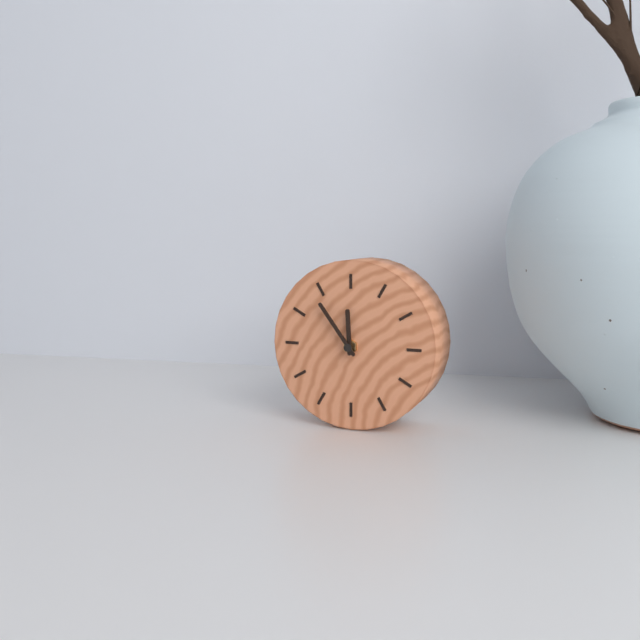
**11:54**
